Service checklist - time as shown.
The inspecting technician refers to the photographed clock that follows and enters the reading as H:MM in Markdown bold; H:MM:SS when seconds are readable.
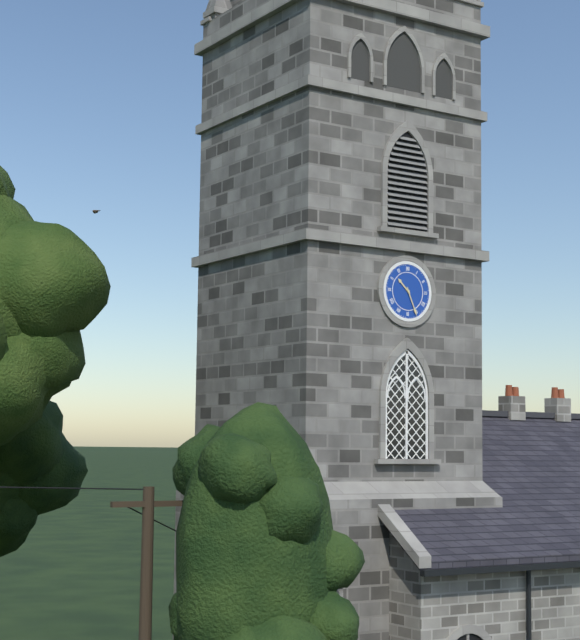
**10:26**
